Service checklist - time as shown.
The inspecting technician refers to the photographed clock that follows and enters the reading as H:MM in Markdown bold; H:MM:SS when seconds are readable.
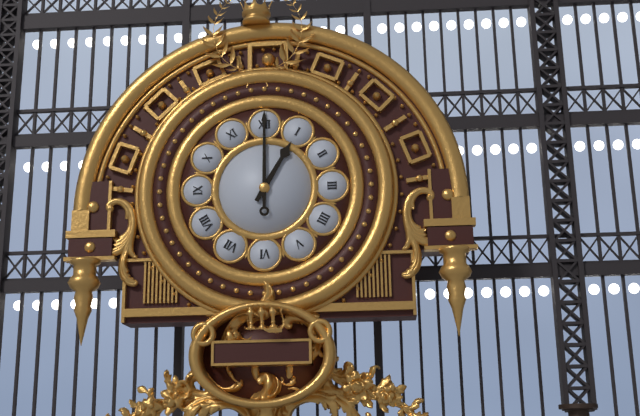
**1:00**
